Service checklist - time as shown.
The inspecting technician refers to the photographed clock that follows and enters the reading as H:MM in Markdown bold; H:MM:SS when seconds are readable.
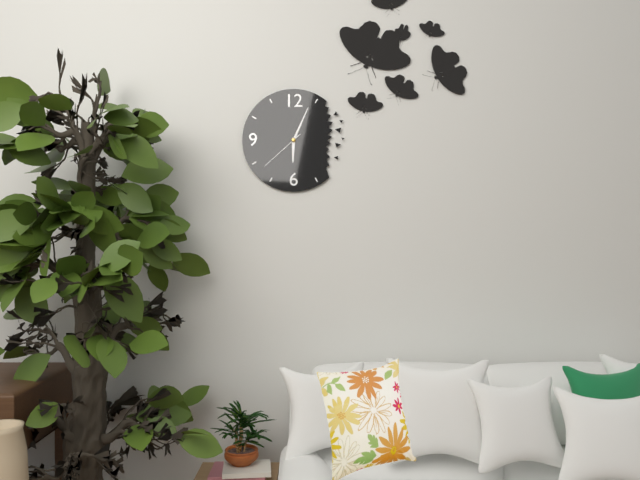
**6:04:38**
